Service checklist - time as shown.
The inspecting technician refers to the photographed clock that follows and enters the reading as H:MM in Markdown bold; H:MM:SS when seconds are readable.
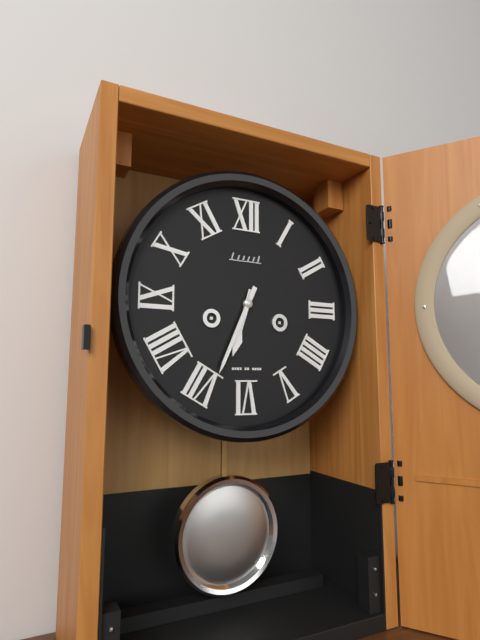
**6:34**
